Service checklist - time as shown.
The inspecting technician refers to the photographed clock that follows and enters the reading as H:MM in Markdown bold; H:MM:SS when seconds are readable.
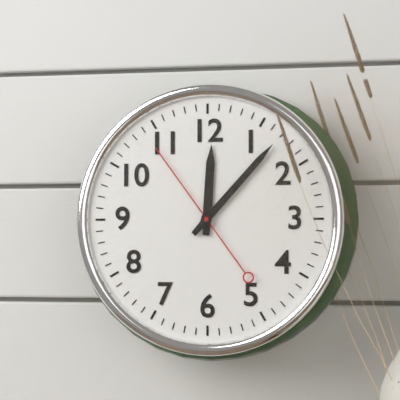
**12:07:54**
